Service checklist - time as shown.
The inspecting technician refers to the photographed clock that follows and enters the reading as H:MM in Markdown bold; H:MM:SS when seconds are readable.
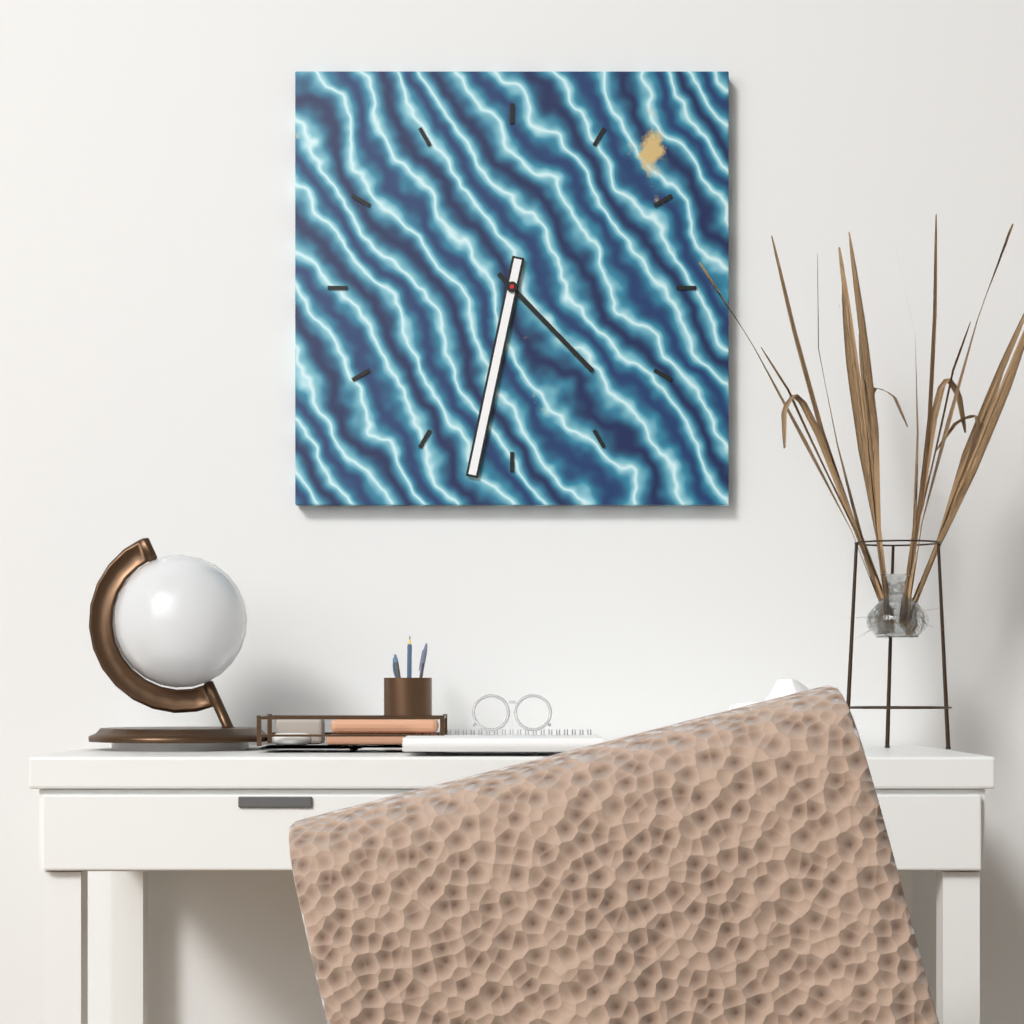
**4:32**
